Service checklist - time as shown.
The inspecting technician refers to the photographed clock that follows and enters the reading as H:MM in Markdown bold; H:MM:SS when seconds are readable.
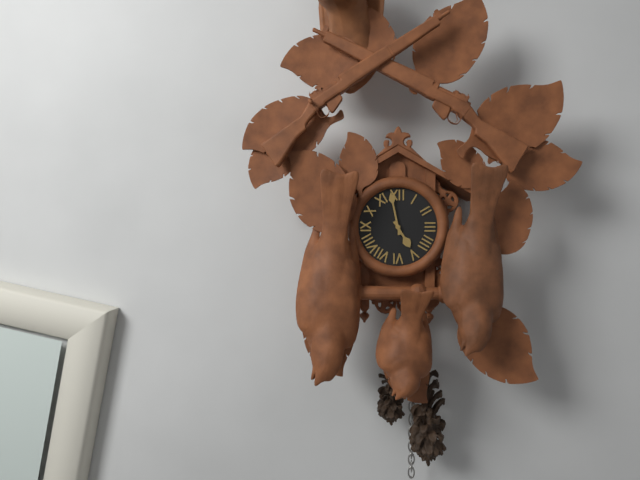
**4:58**
